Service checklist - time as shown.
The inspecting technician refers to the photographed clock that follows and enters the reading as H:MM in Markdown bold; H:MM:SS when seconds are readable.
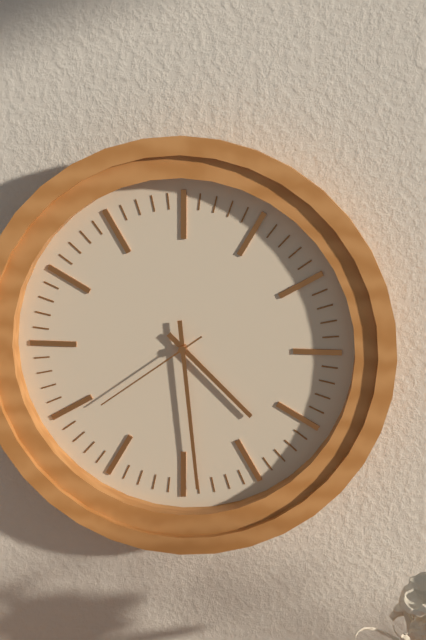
**4:29:39**
